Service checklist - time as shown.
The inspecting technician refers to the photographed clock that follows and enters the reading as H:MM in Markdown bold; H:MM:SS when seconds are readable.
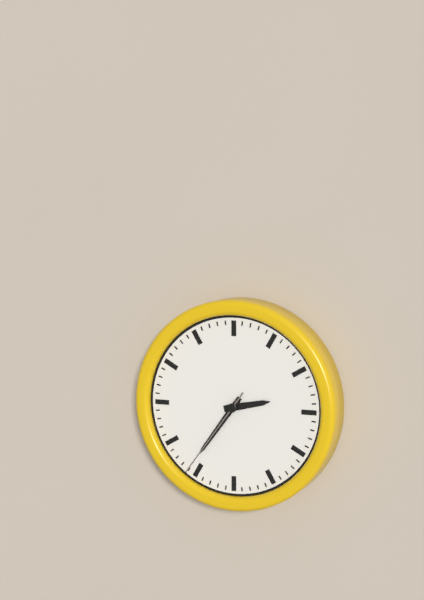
**2:36:36**
